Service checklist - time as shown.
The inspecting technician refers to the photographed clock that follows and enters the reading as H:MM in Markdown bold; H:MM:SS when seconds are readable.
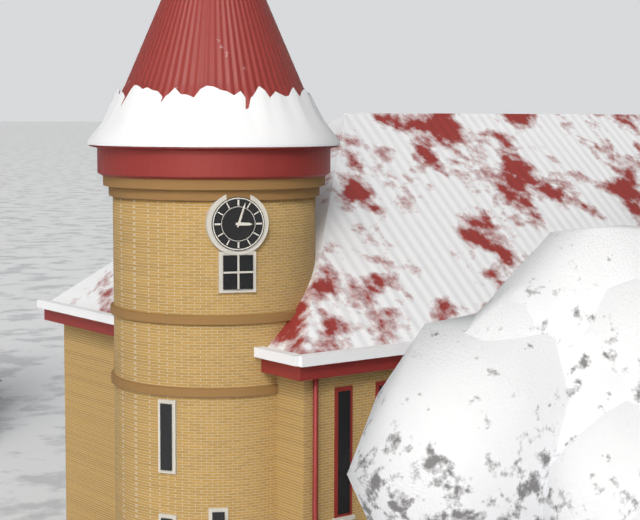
**3:03**
